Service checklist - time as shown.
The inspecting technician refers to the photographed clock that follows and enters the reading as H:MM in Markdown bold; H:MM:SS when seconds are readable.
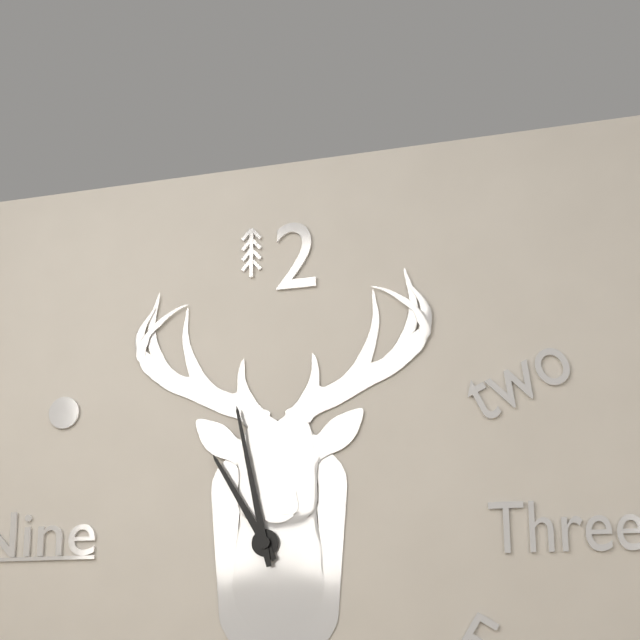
**10:58**
